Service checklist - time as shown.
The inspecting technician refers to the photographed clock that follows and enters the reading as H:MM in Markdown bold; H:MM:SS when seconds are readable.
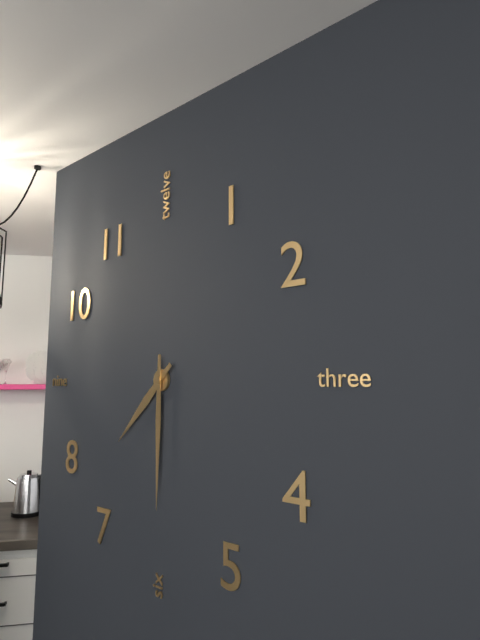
**7:30**
